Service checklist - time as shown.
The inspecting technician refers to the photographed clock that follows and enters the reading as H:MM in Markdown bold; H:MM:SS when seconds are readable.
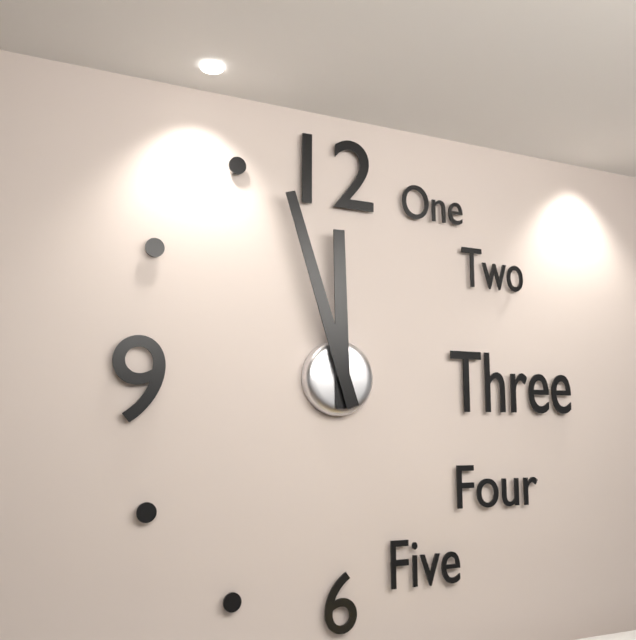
**11:57**
